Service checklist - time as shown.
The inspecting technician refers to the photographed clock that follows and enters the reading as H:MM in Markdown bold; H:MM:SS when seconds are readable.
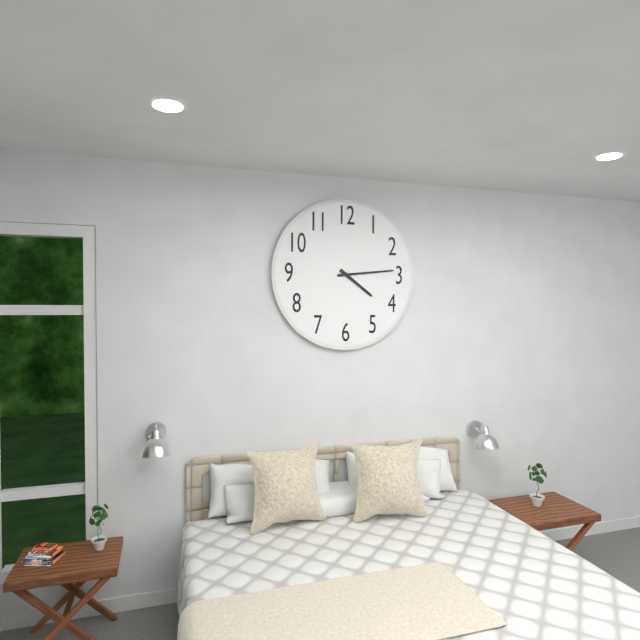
**4:14**
